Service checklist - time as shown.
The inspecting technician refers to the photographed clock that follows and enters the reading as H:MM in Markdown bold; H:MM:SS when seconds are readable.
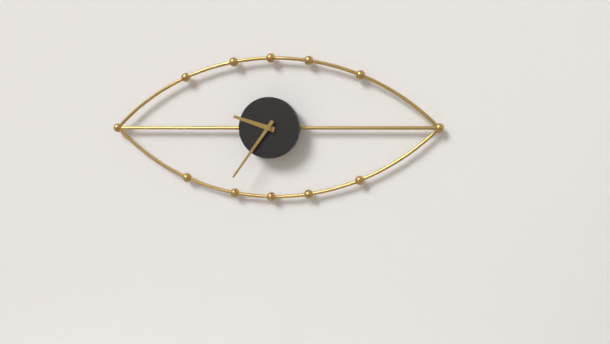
**9:36**
